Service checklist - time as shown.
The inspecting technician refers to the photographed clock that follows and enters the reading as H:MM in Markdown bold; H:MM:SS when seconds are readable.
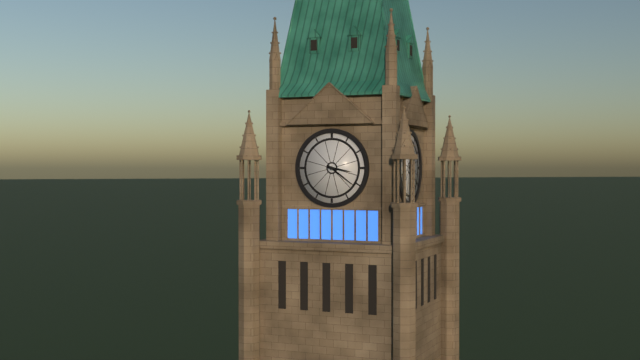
**3:21**
